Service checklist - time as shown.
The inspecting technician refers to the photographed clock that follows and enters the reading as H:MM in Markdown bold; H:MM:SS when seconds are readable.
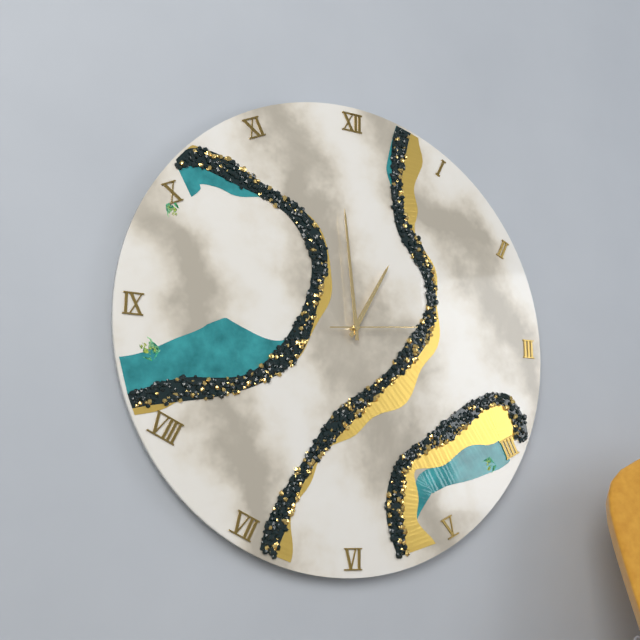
**12:59:14**
